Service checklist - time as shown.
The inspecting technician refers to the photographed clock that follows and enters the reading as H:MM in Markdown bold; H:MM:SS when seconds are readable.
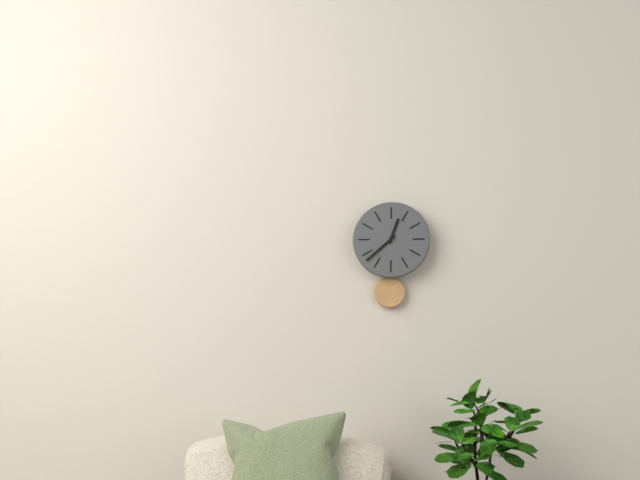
**12:38**
